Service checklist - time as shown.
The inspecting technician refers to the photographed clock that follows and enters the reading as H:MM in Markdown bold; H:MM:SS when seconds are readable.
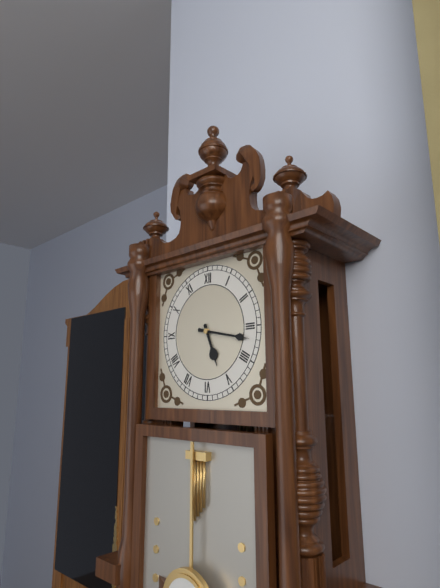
**5:17**
